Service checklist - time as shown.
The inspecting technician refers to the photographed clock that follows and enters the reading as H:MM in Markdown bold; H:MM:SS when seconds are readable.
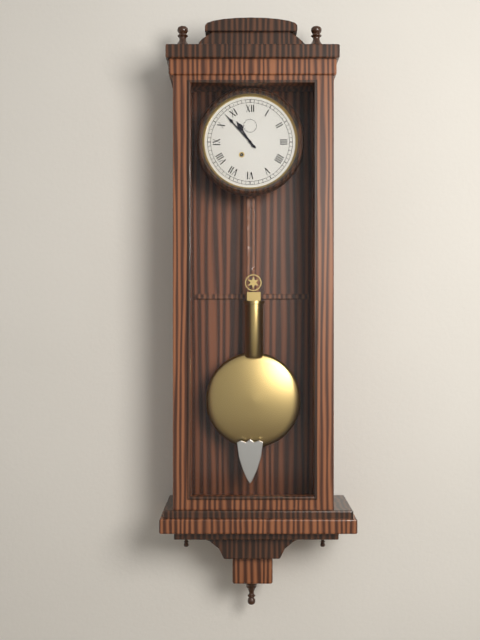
**10:53**
